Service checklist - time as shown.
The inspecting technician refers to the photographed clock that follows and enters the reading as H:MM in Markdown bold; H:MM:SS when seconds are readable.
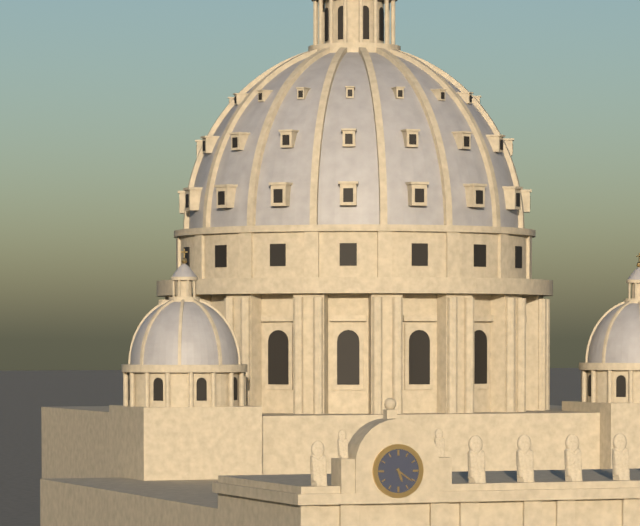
**5:21**
